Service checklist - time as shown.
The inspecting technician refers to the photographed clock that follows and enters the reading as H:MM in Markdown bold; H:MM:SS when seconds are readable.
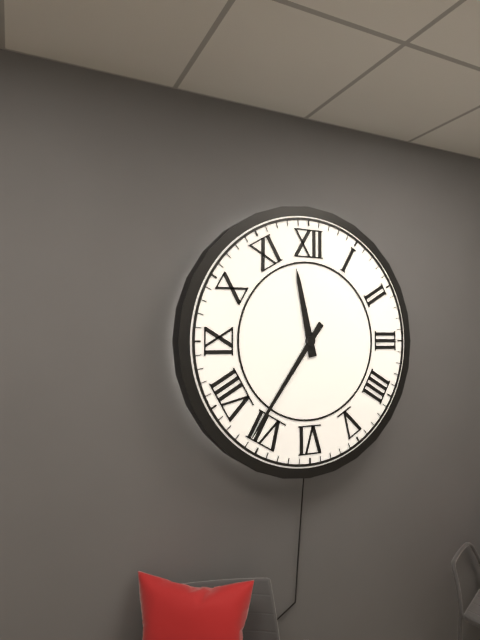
**11:36**
